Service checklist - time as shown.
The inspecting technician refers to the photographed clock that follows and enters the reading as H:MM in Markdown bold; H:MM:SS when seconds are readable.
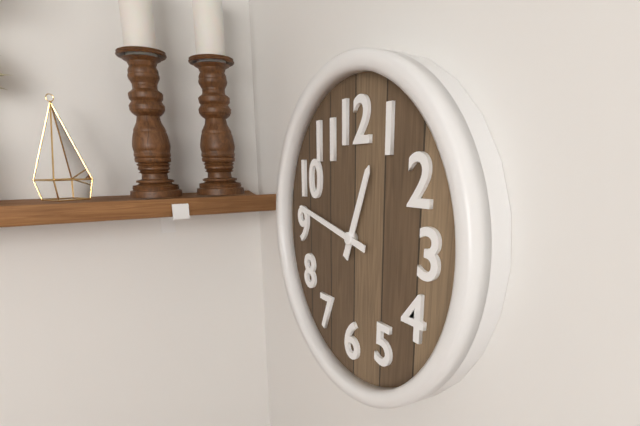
**12:47**
